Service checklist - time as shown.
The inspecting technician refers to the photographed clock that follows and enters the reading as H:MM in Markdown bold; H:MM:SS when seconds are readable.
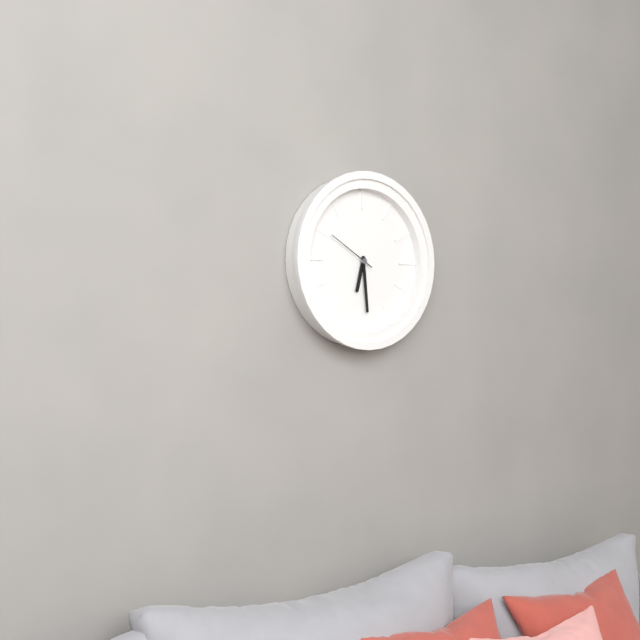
**6:29:50**
